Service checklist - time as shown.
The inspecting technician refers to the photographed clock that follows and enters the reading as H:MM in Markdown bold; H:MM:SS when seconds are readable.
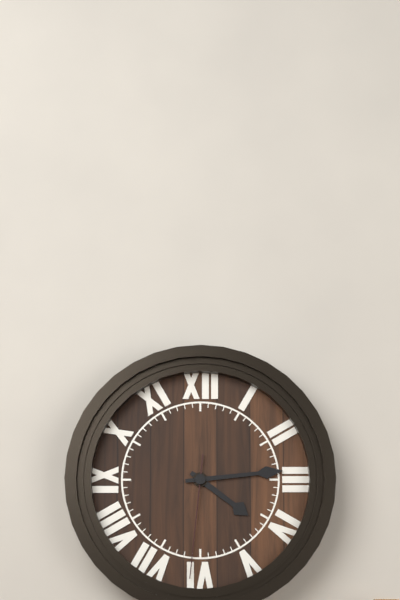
**4:14:31**
